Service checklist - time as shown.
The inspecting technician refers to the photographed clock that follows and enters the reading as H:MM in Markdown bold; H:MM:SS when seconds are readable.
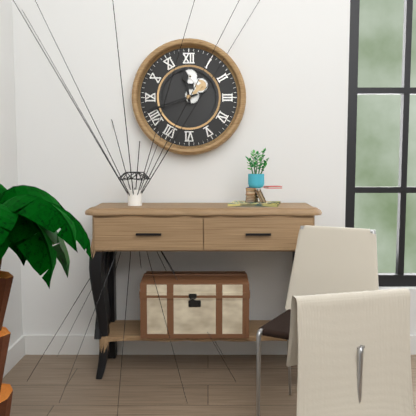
**11:42**
